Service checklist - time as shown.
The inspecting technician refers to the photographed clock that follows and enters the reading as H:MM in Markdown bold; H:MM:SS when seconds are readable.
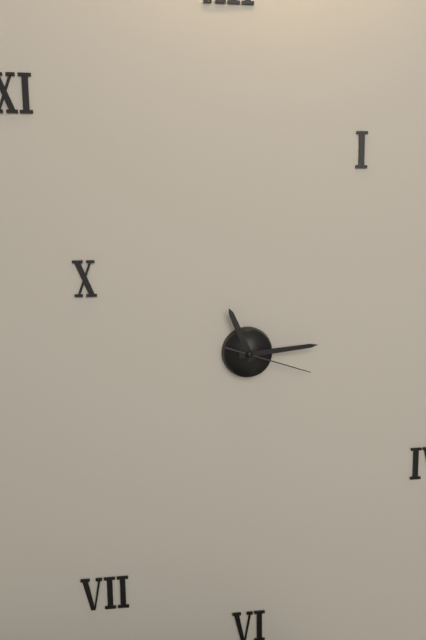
**11:14:18**
